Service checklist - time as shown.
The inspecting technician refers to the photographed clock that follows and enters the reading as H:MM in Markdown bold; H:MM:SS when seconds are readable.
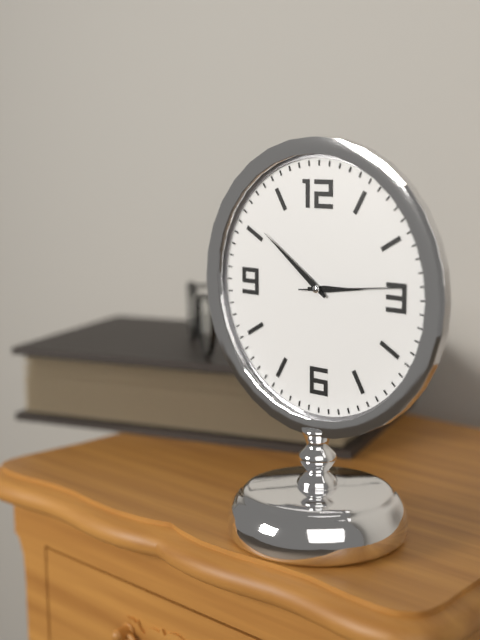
**2:51:14**
